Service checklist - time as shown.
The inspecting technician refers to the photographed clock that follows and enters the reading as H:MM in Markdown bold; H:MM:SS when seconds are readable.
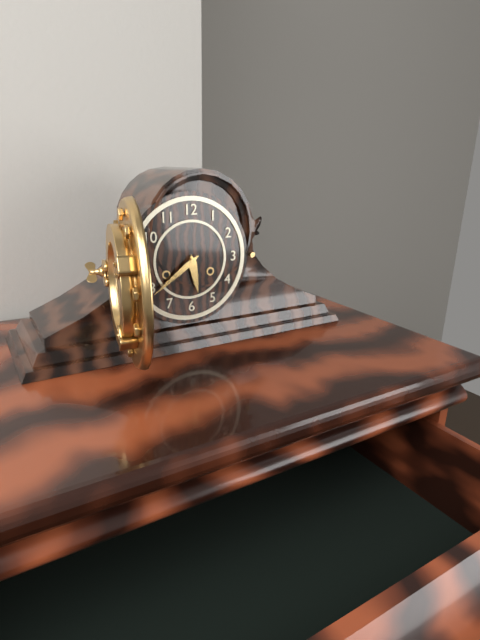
**5:39**
